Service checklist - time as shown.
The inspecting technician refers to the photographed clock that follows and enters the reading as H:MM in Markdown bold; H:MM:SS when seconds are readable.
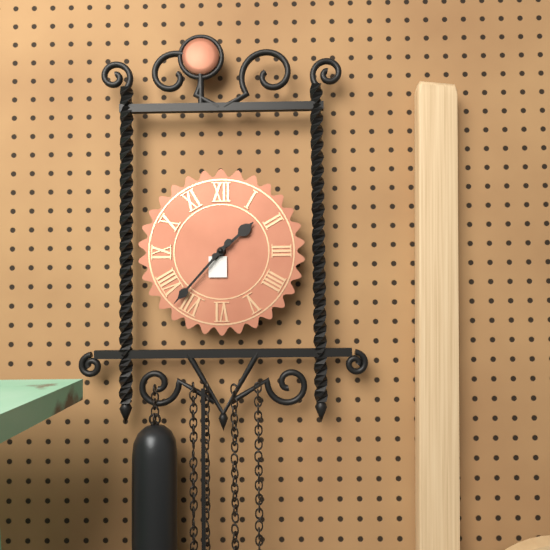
**1:37**
